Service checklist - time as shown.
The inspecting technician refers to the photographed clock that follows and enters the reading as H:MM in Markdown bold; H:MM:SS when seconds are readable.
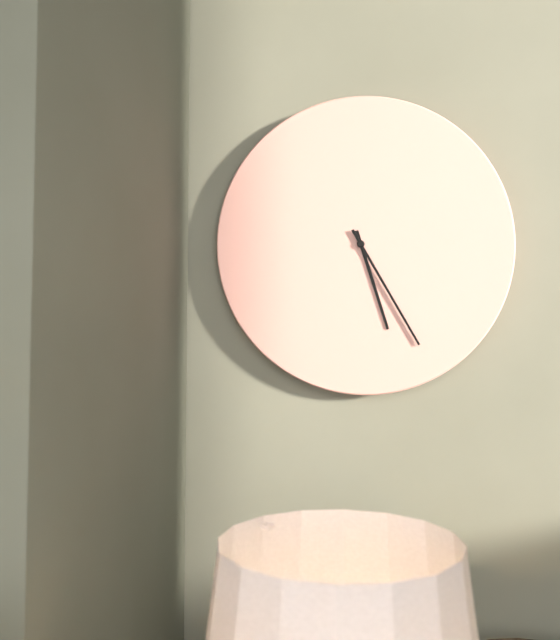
**5:25**
